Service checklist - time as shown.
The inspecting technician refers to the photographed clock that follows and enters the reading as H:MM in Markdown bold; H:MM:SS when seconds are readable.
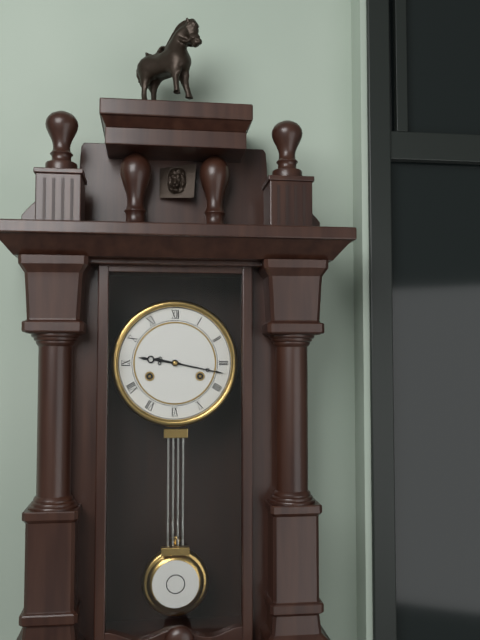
**9:17**
